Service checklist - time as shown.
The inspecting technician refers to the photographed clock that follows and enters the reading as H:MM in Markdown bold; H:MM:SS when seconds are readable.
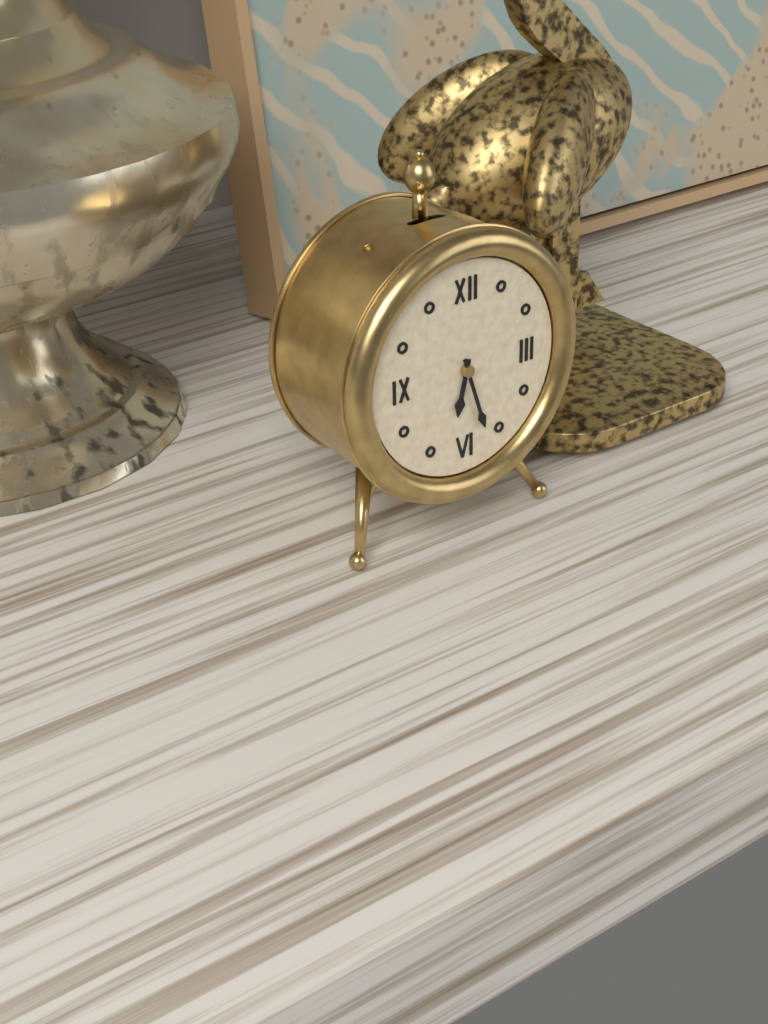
**6:27**
